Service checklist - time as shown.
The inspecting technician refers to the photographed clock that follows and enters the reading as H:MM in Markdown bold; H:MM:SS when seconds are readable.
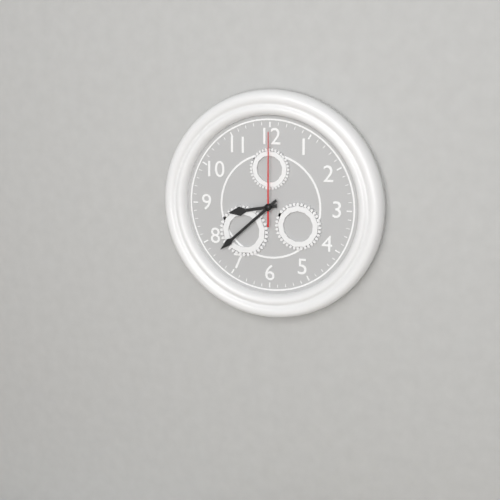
**8:38:00**
